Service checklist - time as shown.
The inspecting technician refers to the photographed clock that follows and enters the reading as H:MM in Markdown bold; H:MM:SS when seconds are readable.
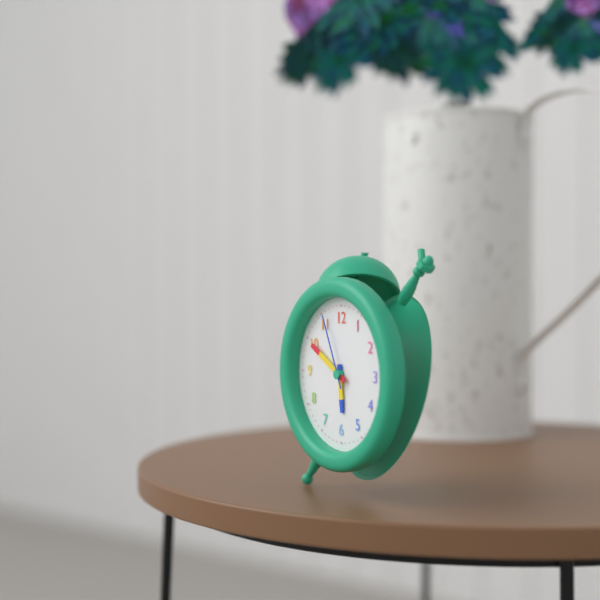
**5:50:56**
